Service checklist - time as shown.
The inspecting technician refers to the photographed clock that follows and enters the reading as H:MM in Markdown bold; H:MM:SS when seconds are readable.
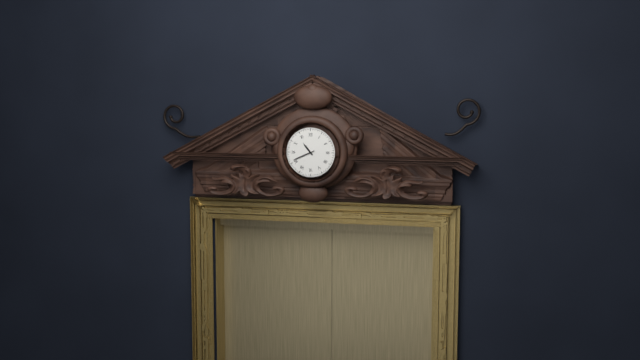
**10:41**
